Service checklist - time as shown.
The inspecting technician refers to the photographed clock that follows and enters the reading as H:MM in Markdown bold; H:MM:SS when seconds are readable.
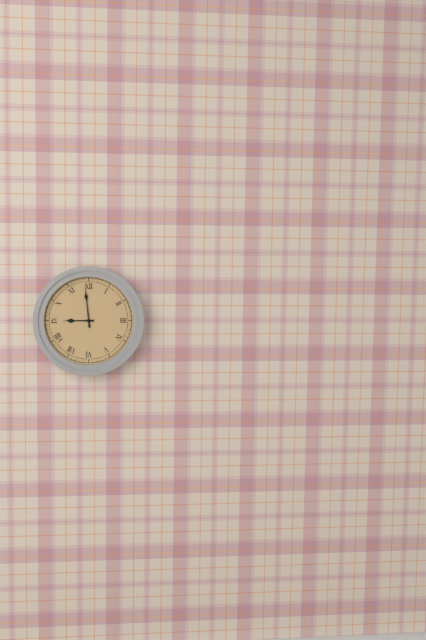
**8:59**
